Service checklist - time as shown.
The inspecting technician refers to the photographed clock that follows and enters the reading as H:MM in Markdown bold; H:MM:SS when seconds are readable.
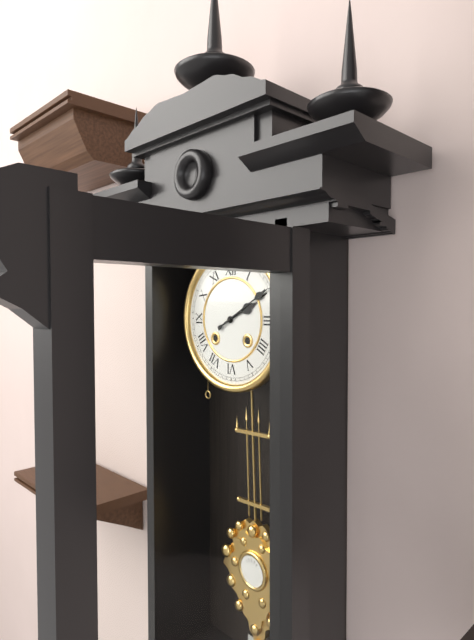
**2:10**
